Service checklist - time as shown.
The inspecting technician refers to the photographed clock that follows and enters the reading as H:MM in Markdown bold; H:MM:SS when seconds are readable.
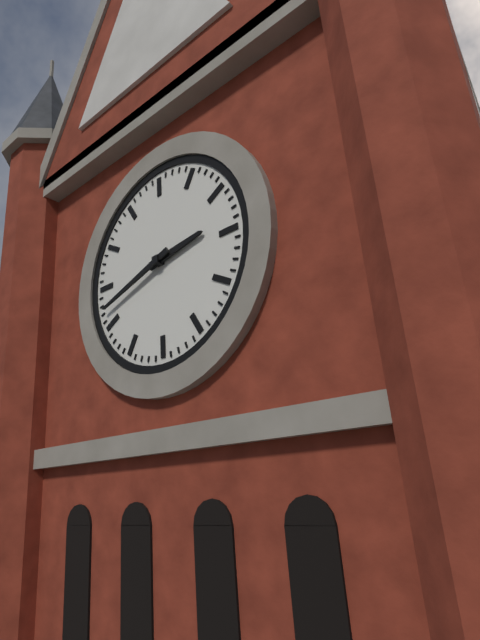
**2:42**
